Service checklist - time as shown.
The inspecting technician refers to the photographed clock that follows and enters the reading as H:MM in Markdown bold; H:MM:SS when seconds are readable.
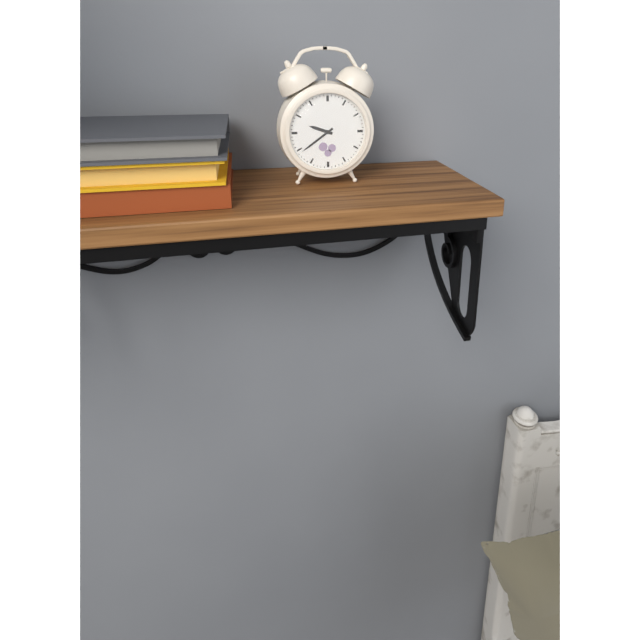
**9:39**
